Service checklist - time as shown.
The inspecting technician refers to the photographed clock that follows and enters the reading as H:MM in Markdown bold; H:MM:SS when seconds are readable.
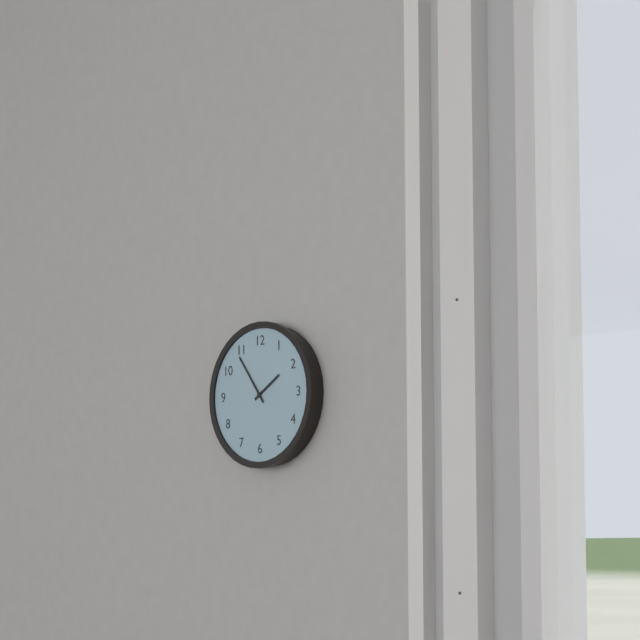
**1:54**
